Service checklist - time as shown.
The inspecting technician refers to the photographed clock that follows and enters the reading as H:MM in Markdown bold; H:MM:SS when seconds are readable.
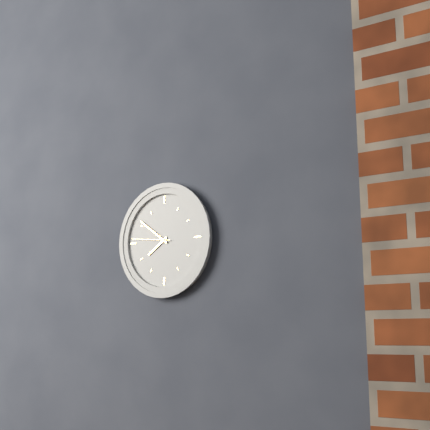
**7:51**
